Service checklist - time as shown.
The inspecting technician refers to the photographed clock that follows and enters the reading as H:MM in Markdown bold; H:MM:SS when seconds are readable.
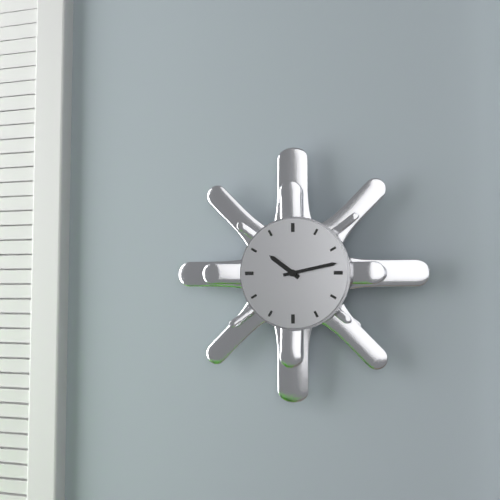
**10:13**
